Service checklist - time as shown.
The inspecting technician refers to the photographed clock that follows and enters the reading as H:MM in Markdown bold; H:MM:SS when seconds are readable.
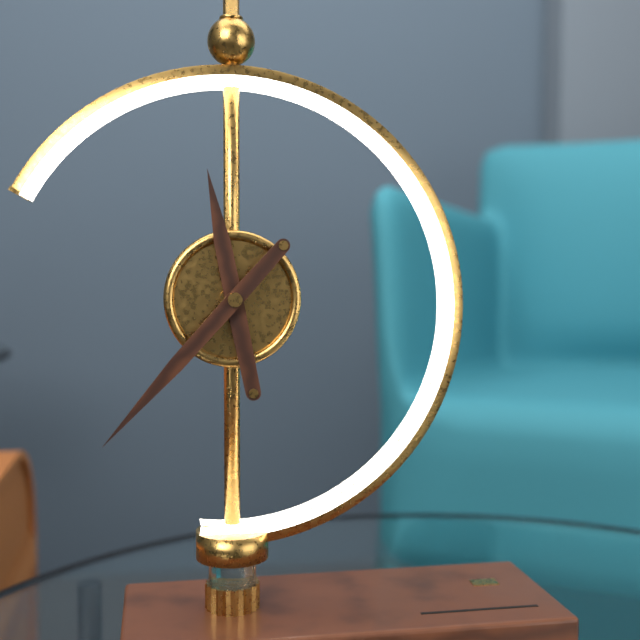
**11:37**
